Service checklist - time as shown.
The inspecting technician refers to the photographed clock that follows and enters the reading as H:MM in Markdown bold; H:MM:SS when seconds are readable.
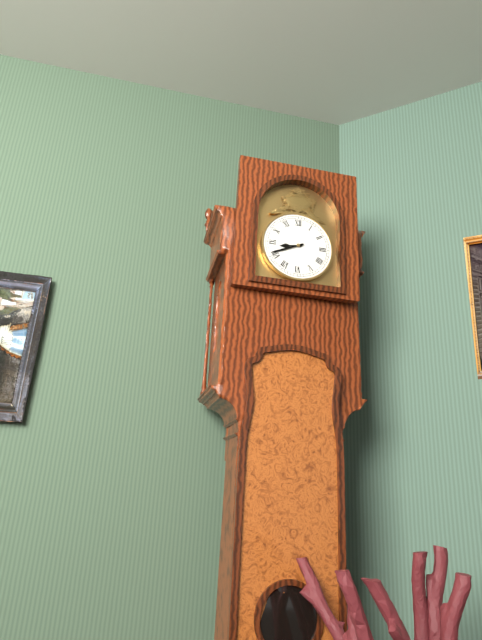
**8:41**
